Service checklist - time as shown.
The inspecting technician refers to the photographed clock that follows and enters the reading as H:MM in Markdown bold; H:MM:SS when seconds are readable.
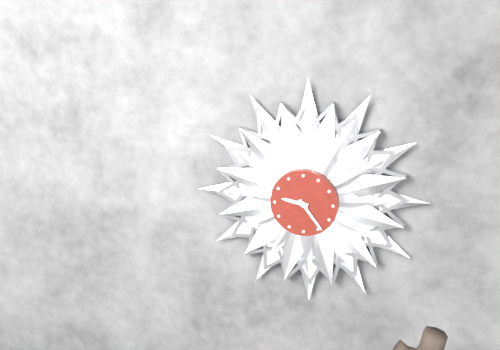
**9:24**
